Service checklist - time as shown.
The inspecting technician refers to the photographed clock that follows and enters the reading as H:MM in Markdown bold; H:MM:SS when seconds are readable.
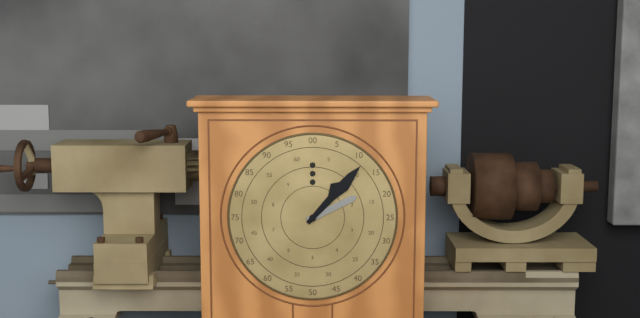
**2:07**
